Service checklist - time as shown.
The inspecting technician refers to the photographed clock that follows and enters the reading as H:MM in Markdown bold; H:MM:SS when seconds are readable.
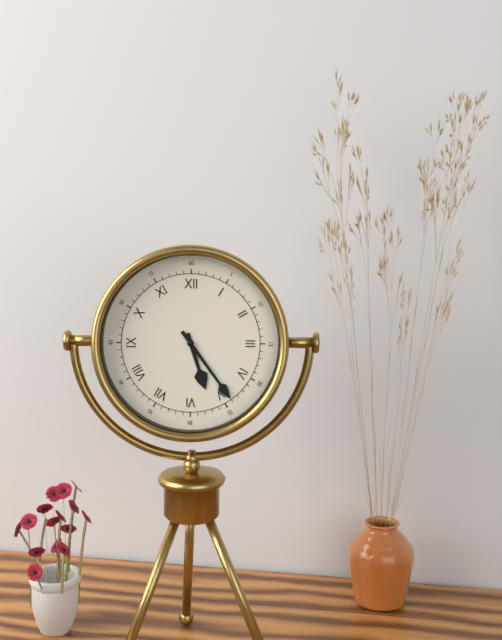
**5:24**
